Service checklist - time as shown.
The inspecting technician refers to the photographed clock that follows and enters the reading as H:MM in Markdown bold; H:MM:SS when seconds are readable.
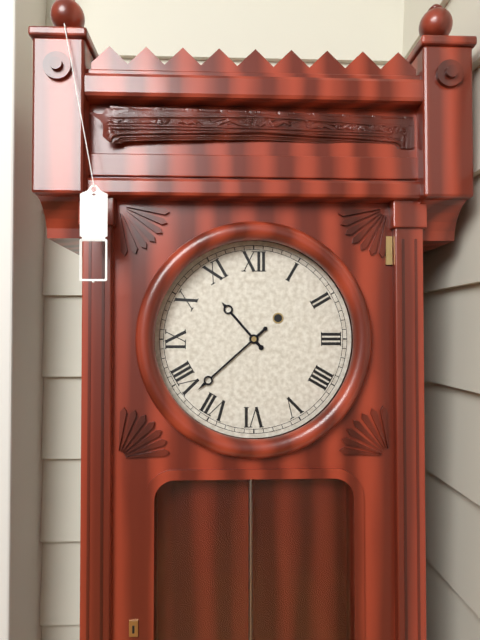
**10:38**
